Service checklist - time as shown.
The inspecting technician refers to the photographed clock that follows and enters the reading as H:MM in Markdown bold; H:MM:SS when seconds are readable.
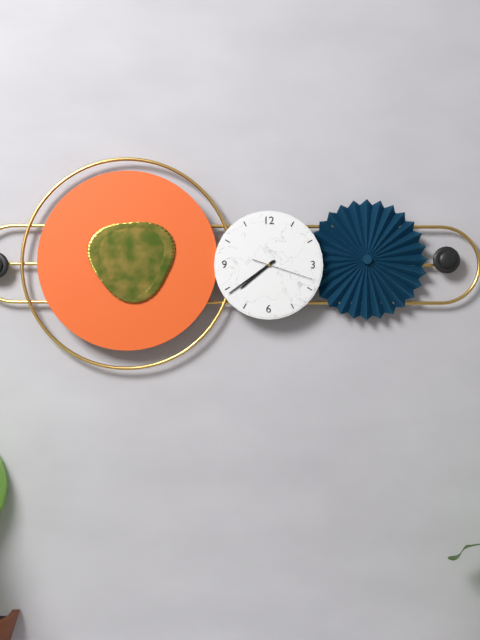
**7:39:18**
